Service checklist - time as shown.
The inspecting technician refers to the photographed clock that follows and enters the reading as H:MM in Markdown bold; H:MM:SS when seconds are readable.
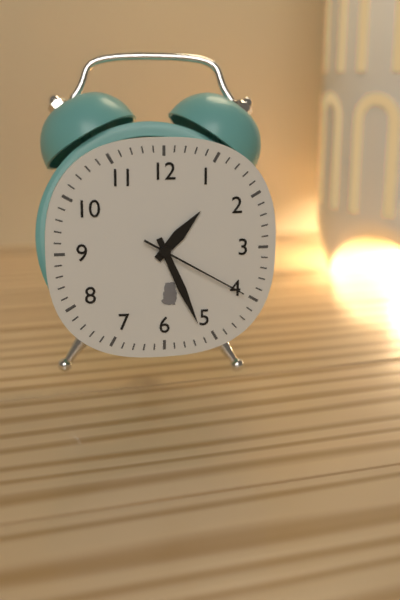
**1:26:20**
